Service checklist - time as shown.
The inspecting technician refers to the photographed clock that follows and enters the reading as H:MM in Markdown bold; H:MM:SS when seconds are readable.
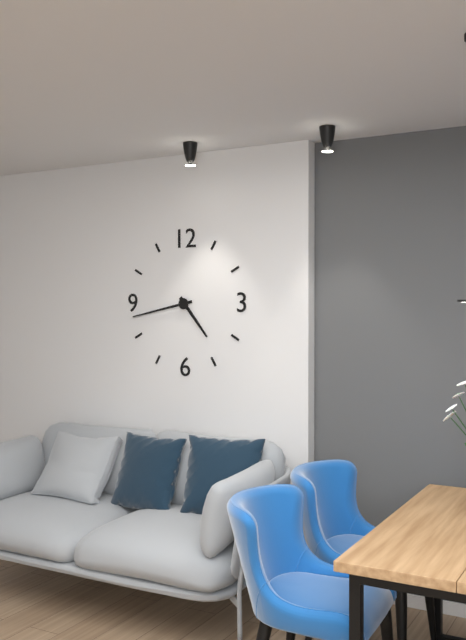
**4:43**
